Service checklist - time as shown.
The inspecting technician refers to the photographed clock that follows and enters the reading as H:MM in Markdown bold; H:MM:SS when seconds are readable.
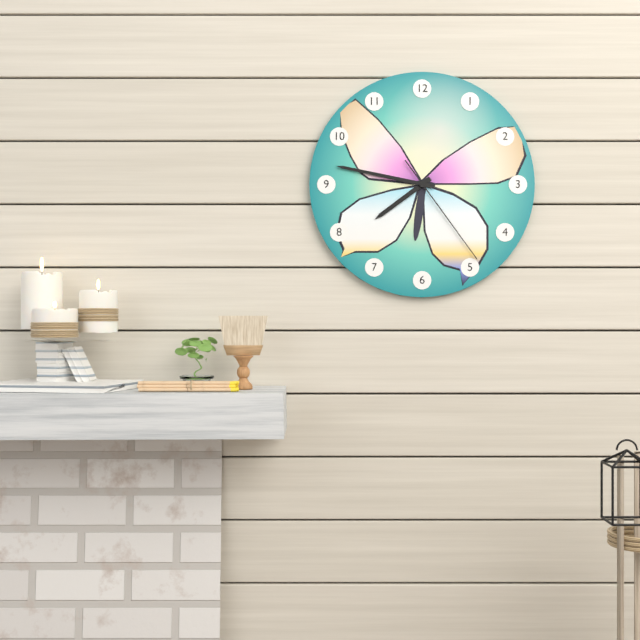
**7:47:24**
